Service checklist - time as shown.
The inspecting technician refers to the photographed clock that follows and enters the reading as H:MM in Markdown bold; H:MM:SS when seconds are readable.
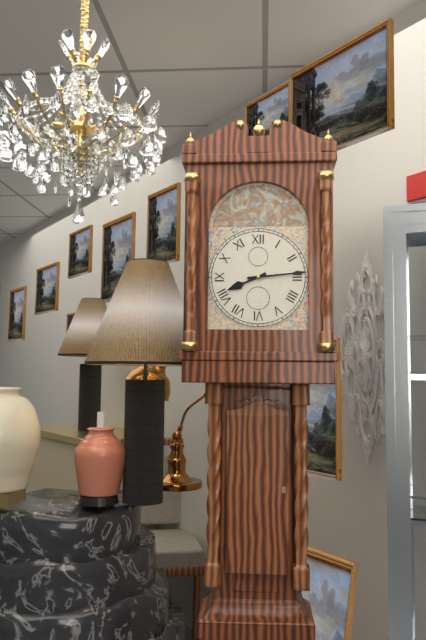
**8:14**
